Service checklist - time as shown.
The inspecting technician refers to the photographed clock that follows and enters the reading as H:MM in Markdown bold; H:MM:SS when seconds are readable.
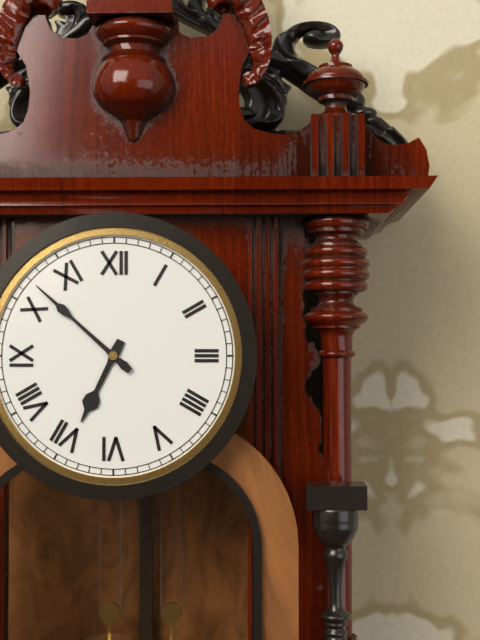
**6:52**
